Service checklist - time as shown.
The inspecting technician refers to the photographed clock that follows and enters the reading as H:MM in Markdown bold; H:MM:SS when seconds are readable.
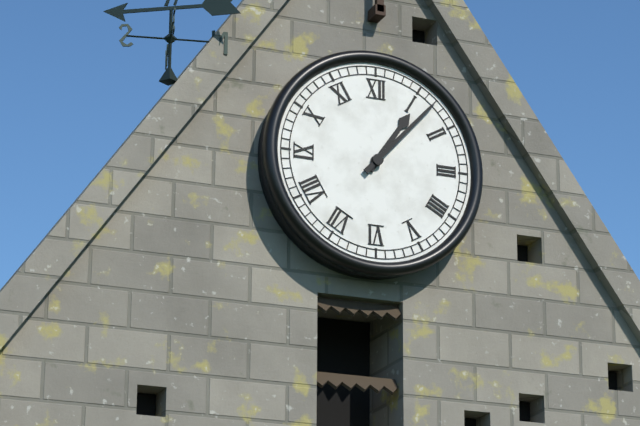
**1:07**
